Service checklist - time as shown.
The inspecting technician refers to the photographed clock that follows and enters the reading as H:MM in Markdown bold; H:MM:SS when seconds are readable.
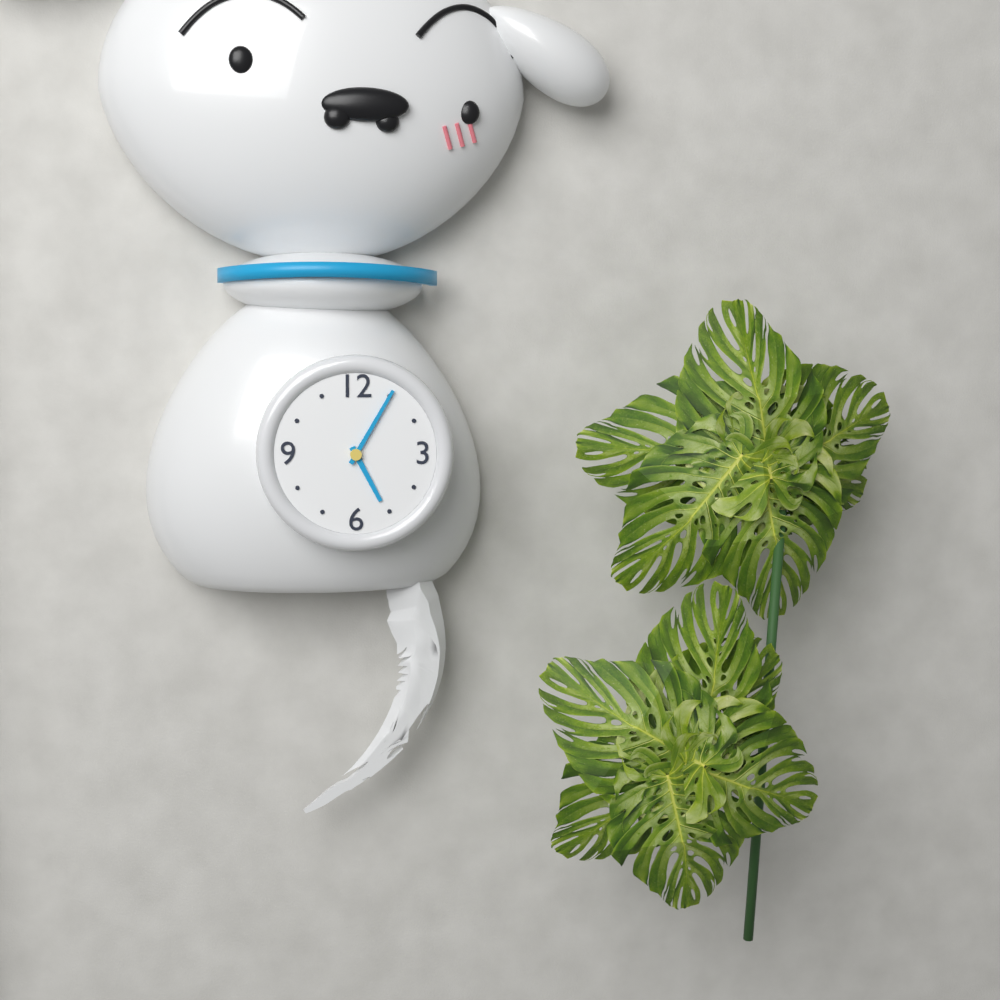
**5:05**
